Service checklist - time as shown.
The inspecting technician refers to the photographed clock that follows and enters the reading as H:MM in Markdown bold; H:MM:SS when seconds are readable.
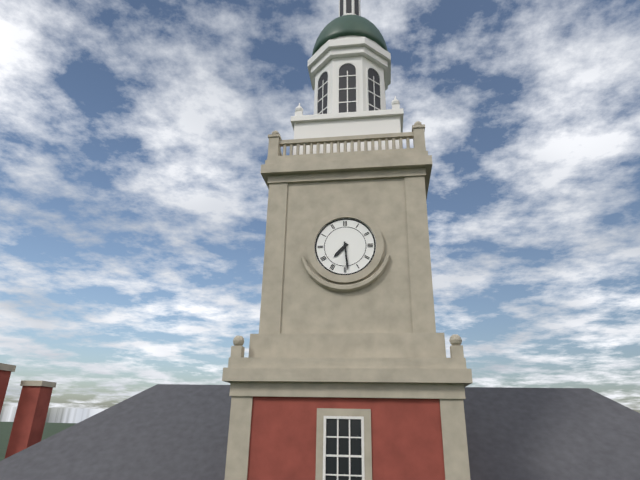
**7:29**
